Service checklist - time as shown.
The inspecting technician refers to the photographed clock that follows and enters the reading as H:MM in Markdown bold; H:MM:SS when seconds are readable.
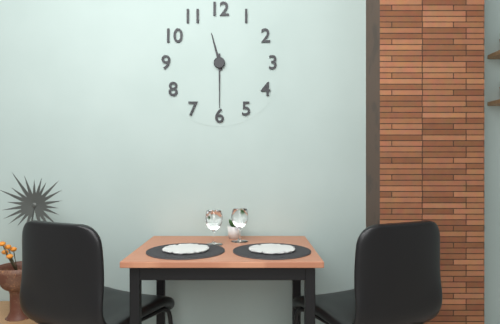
**11:30**
